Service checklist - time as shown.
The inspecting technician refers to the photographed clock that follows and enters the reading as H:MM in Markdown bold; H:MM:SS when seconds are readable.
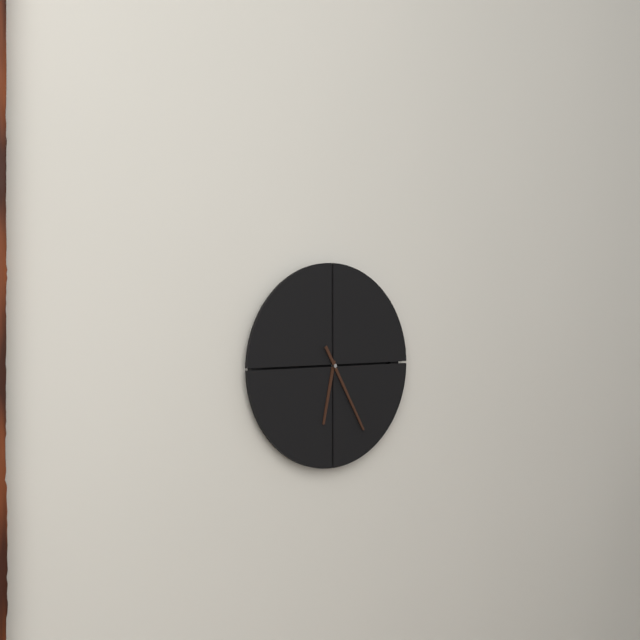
**6:25**
